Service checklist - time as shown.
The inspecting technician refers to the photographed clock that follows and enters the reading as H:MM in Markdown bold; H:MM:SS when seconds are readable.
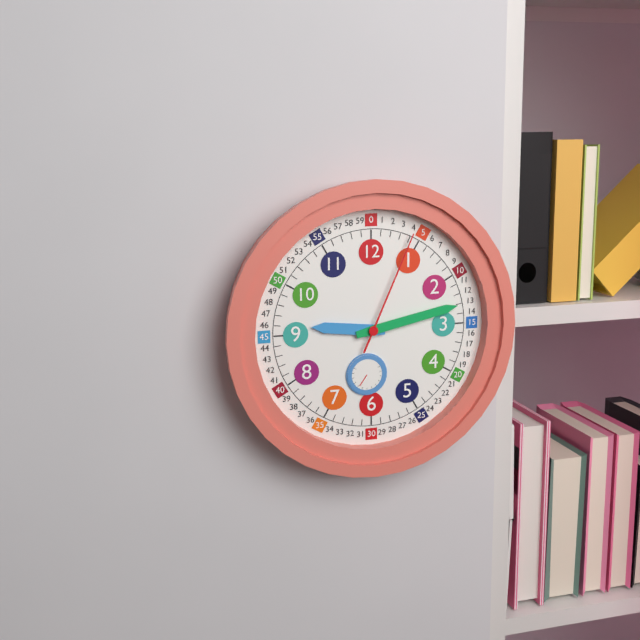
**9:13:04**
